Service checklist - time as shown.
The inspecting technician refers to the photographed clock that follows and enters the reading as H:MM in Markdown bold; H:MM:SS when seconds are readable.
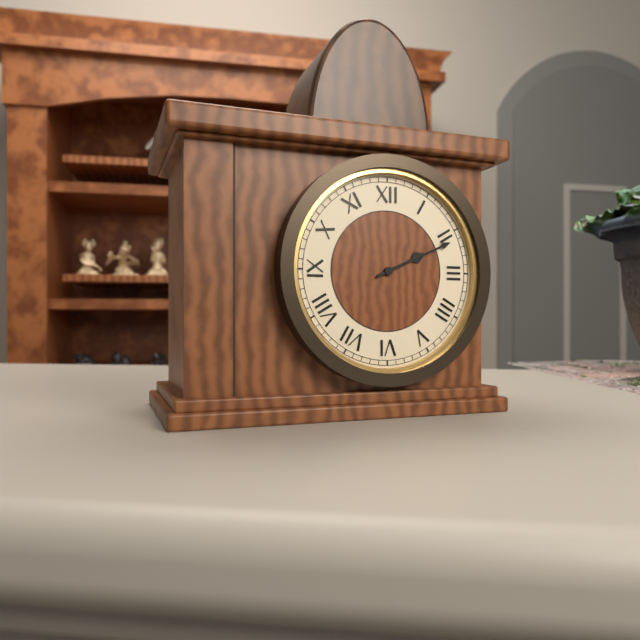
**2:11**
